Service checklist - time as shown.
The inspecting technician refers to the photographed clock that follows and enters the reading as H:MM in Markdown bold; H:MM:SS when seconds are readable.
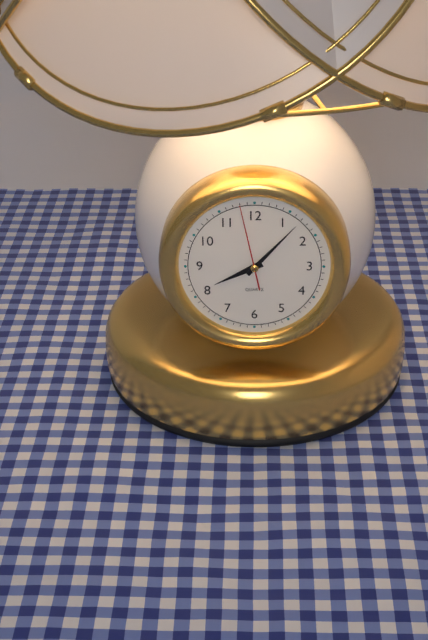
**8:07:58**
